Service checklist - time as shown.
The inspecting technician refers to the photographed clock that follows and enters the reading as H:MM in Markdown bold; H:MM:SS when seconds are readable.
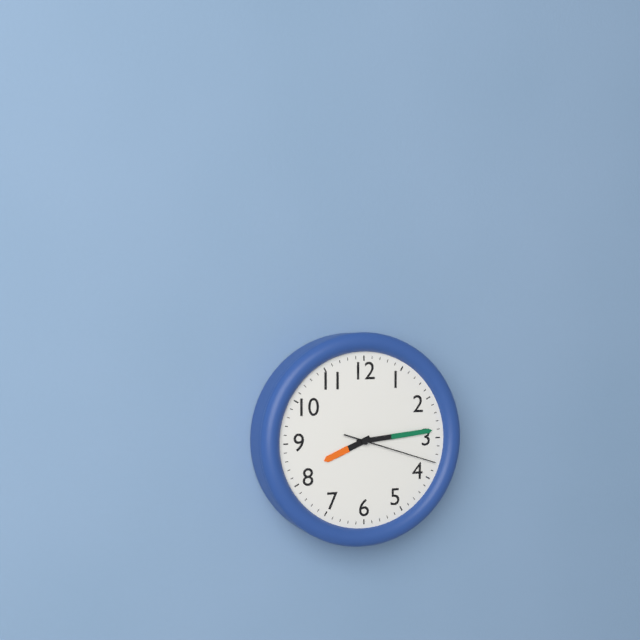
**8:14:18**
